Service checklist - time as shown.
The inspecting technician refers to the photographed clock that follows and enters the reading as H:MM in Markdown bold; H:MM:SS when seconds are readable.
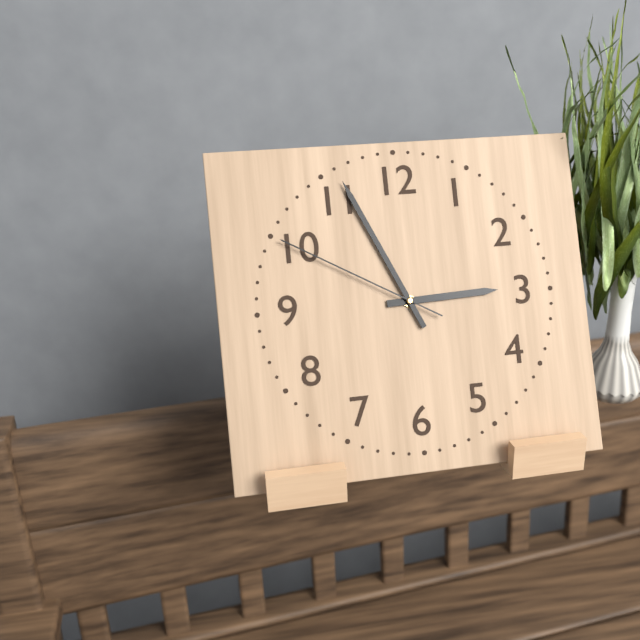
**2:56:50**
